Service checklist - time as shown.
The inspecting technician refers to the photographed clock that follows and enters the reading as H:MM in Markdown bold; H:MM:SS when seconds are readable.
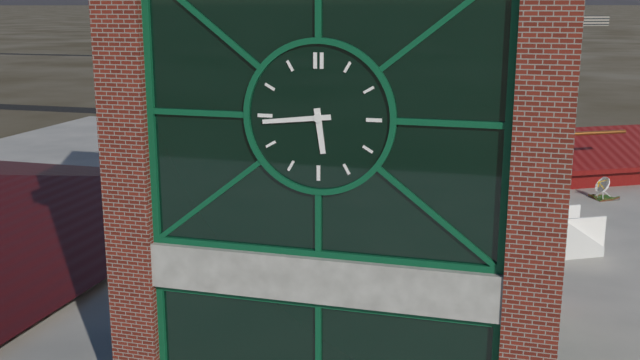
**5:44**
